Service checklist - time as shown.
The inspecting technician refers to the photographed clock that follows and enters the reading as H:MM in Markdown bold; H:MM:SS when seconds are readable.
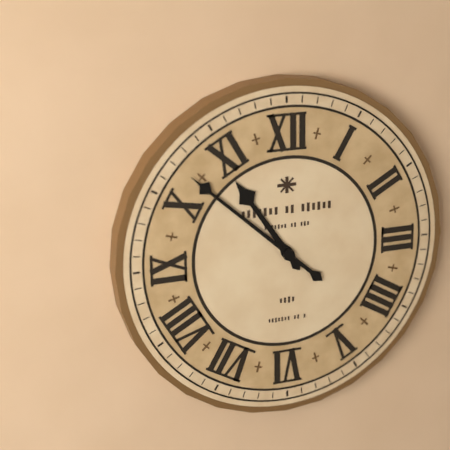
**10:52**
